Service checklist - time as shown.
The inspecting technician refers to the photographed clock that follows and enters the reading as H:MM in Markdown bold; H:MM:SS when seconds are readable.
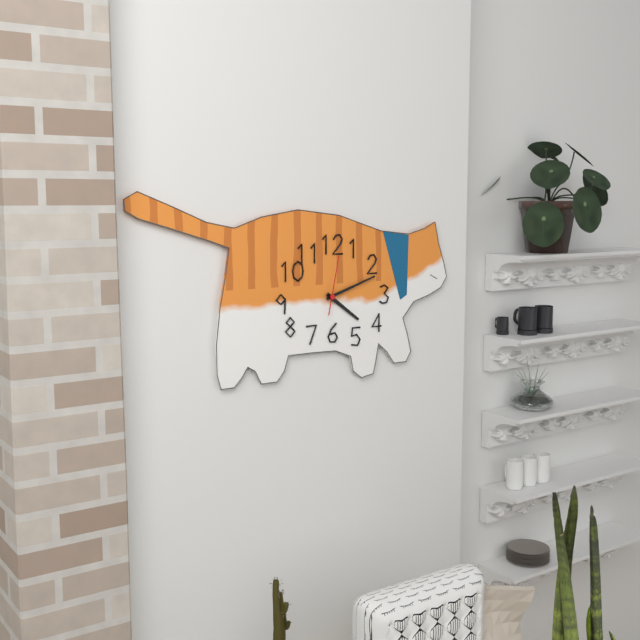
**4:12:02**
